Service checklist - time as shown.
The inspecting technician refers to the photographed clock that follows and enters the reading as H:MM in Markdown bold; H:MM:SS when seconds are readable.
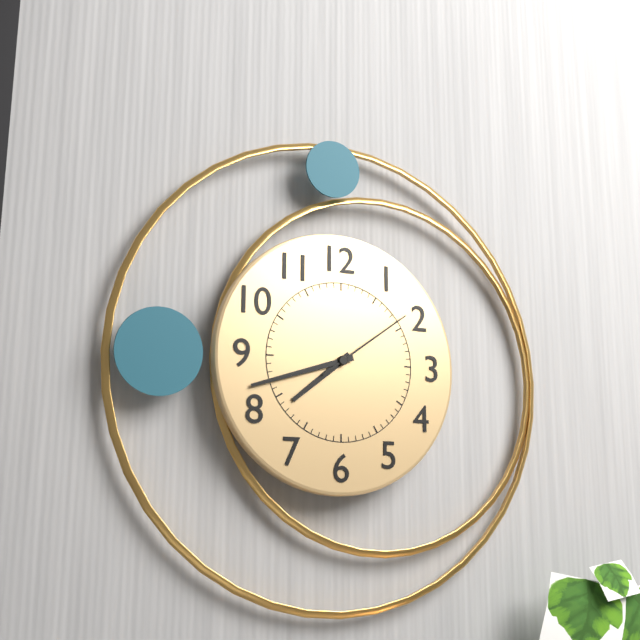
**7:42:09**
